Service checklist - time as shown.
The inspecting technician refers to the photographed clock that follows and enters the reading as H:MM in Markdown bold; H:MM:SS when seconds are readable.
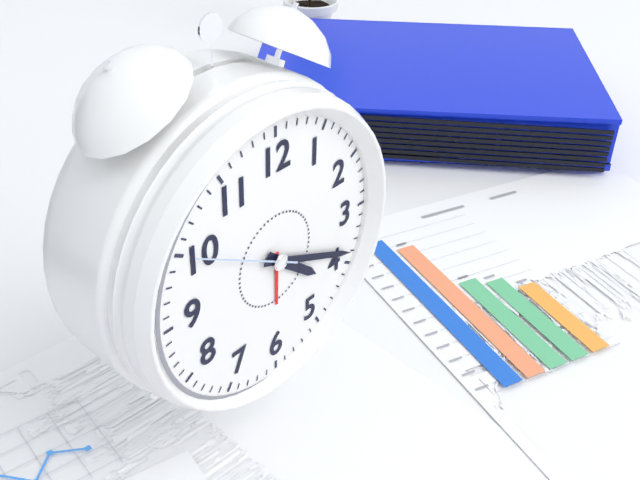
**4:19:50**
